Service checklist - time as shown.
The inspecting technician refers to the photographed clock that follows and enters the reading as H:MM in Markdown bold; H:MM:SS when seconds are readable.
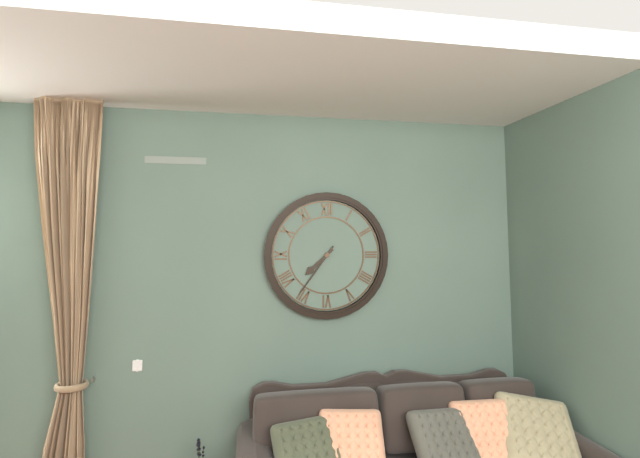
**7:36**
